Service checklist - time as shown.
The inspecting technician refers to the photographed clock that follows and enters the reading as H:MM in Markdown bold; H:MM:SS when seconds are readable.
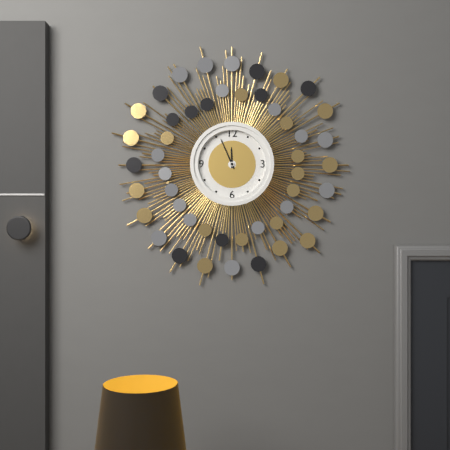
**11:56**
